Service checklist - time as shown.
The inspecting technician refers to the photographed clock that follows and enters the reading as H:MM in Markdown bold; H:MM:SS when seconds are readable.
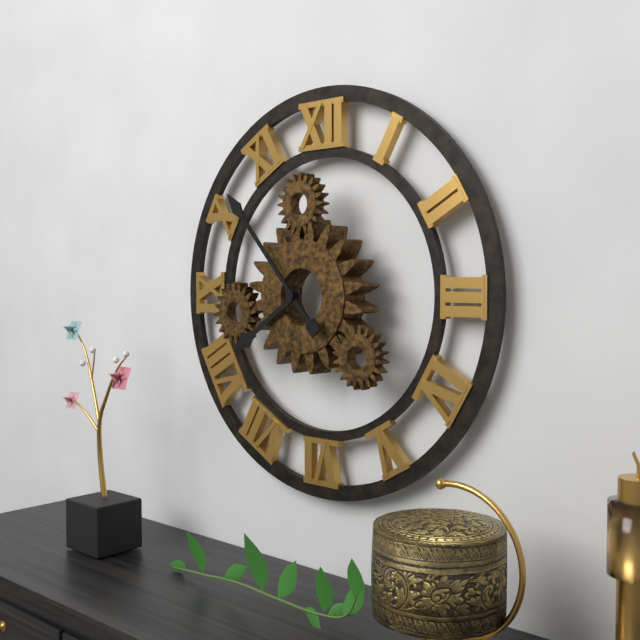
**7:53**
